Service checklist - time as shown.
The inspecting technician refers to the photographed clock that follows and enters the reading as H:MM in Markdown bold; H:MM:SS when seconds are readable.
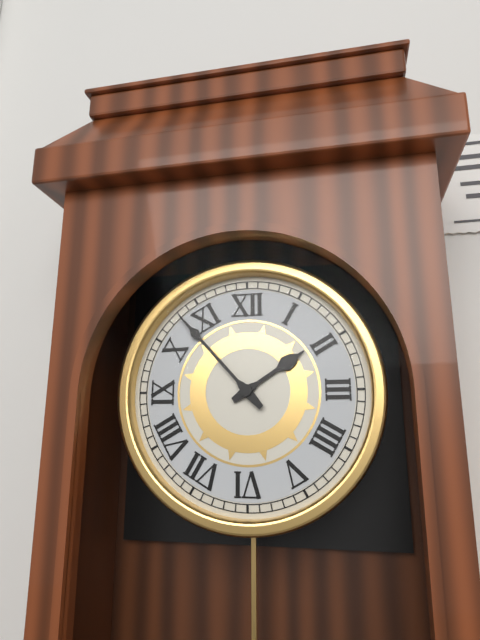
**1:53**
